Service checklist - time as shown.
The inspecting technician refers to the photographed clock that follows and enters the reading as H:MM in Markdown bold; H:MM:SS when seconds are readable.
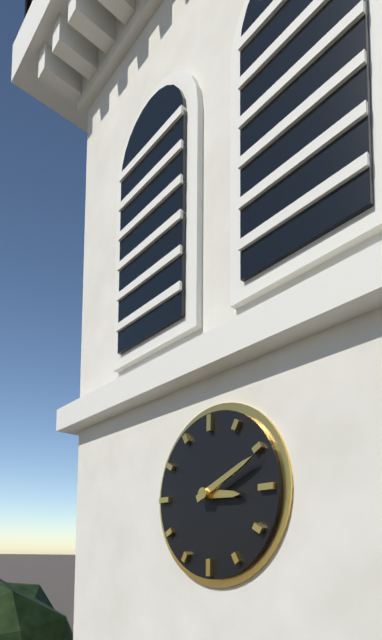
**3:11**
